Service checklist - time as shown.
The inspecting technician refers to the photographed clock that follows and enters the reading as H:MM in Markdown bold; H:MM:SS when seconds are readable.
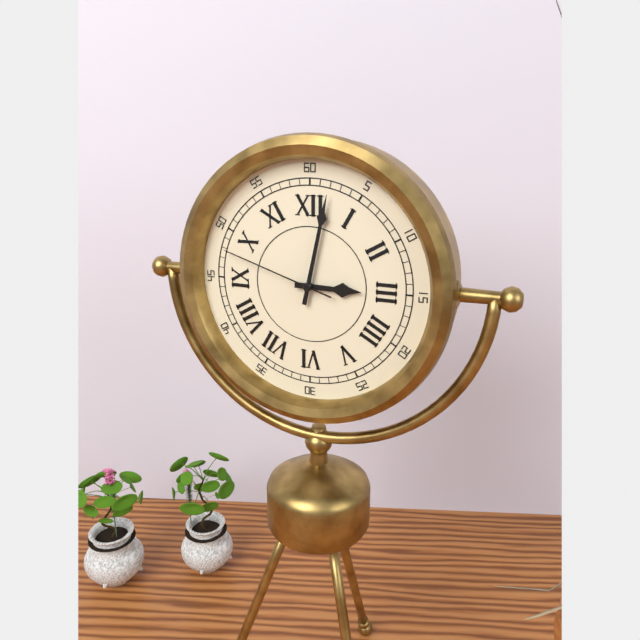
**3:02:48**
